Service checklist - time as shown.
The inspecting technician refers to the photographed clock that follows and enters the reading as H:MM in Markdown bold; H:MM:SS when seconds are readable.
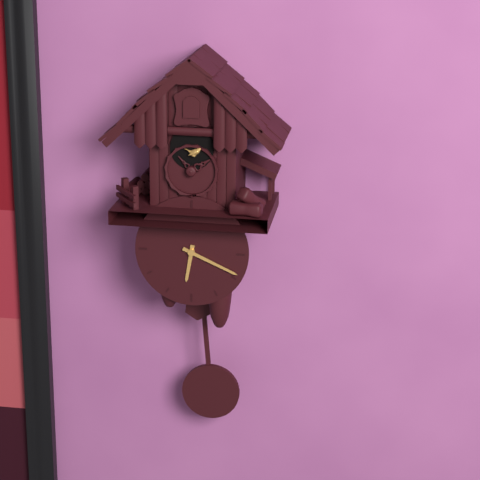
**6:19**
